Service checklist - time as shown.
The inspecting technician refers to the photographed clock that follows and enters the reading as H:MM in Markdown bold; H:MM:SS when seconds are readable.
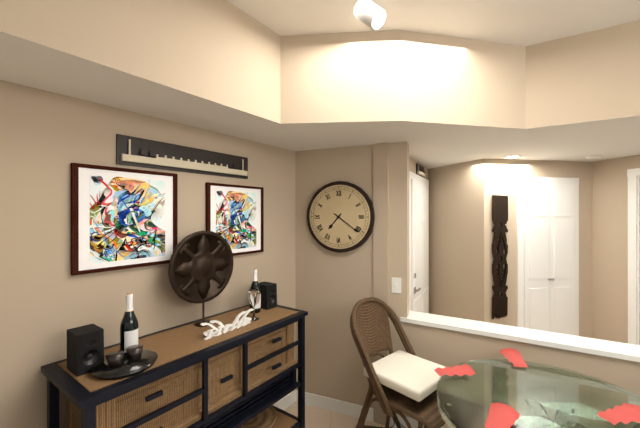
**7:21**
